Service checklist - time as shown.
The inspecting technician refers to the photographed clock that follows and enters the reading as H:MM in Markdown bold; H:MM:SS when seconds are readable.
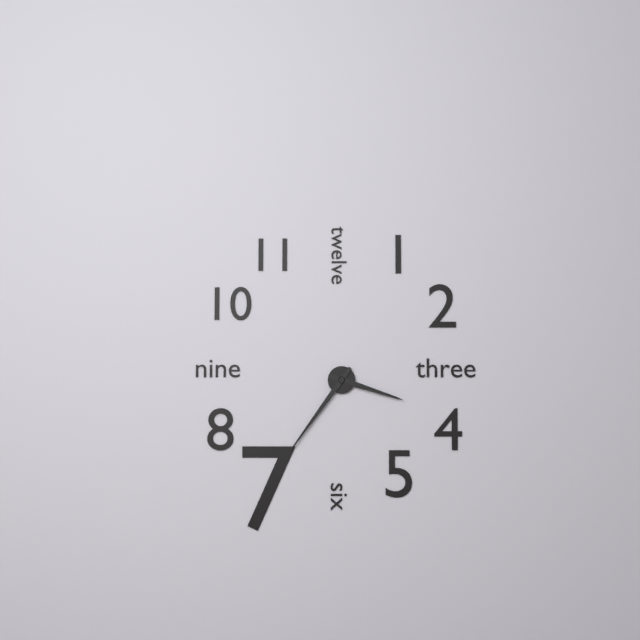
**3:36**
